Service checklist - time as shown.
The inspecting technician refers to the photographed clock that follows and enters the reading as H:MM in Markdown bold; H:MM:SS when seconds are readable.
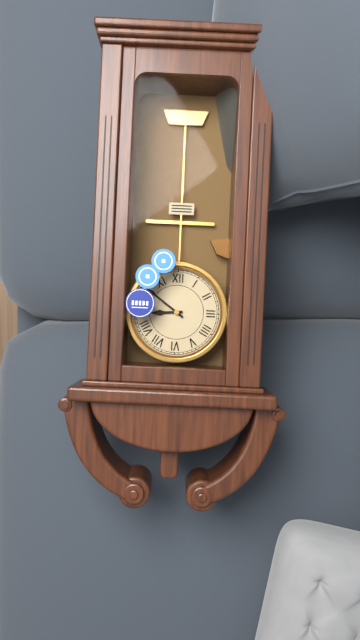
**8:51**
